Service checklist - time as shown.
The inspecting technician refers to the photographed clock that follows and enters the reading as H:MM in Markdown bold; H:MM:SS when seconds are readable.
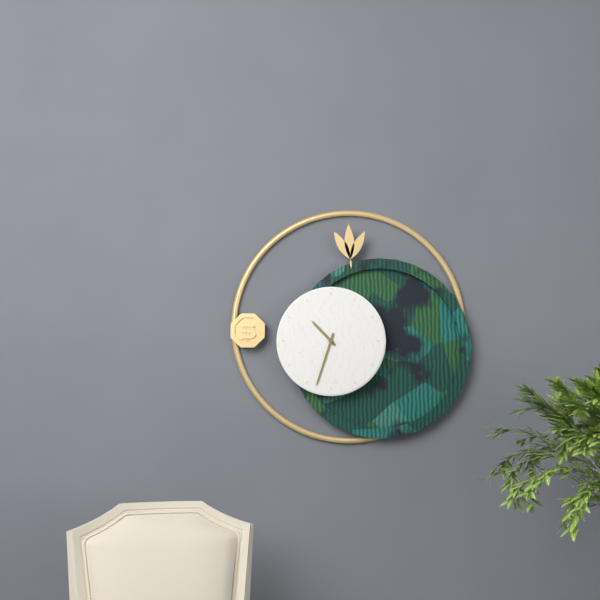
**10:33**
